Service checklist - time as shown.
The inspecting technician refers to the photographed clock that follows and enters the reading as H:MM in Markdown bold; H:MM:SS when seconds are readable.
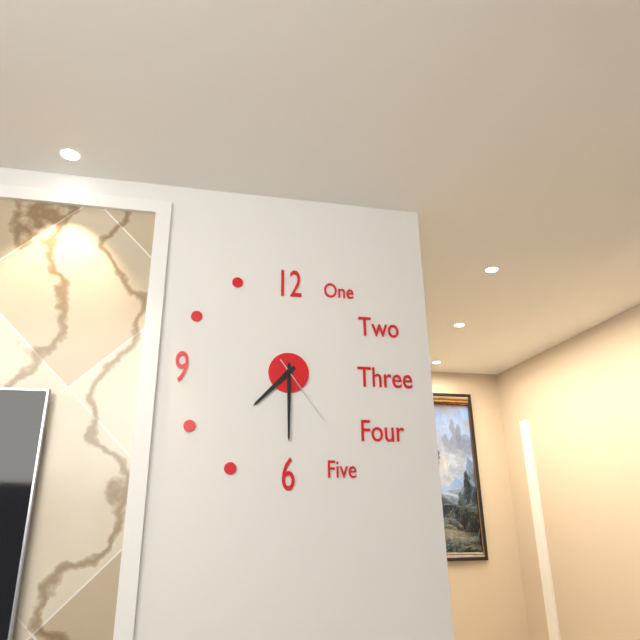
**7:30:24**
